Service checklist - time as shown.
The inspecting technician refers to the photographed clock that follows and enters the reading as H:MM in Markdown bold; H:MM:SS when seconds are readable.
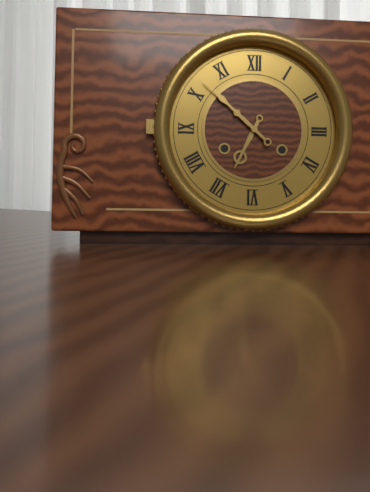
**6:52**
